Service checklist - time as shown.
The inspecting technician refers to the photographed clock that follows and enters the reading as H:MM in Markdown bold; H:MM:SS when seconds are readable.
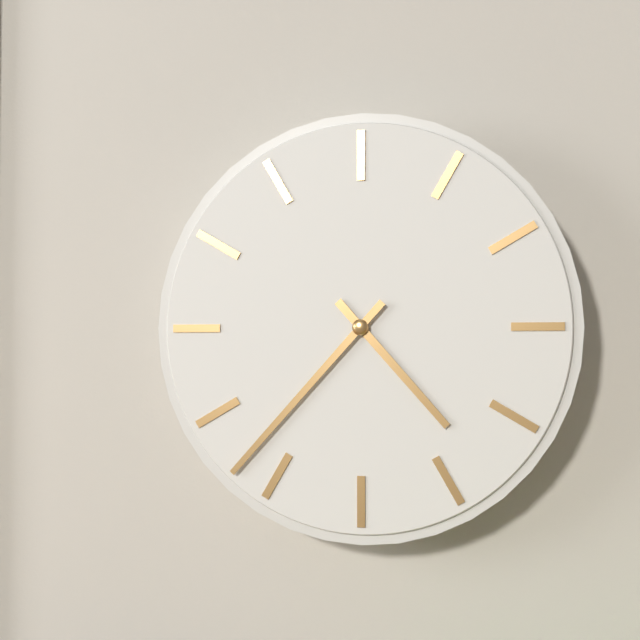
**4:37**
